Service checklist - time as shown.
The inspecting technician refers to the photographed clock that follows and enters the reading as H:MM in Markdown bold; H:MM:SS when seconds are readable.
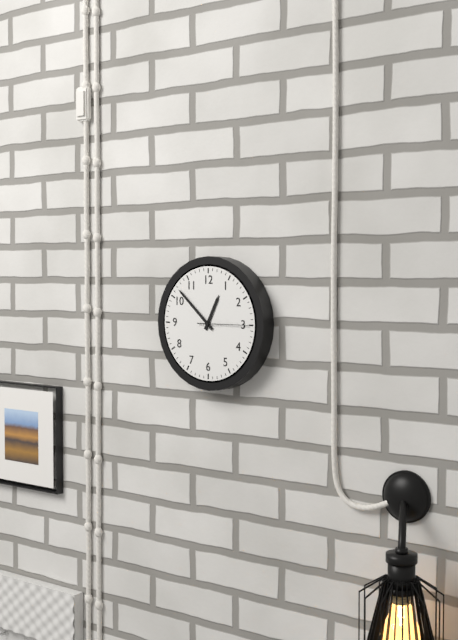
**12:52:15**
